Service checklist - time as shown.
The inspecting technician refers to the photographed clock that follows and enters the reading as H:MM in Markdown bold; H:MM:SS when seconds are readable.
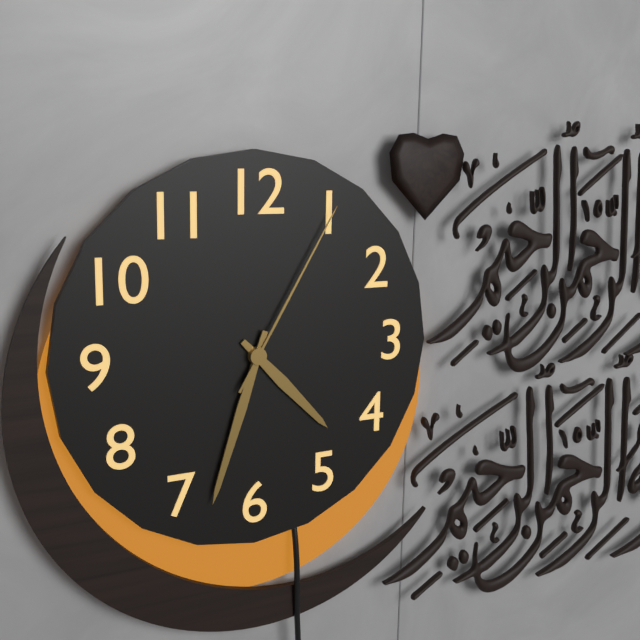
**4:33:05**
